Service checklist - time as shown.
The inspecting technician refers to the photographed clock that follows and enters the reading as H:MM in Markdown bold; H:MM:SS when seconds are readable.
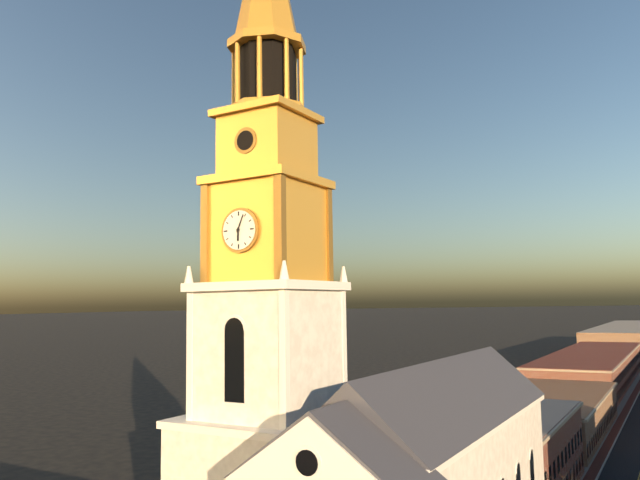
**6:04**
